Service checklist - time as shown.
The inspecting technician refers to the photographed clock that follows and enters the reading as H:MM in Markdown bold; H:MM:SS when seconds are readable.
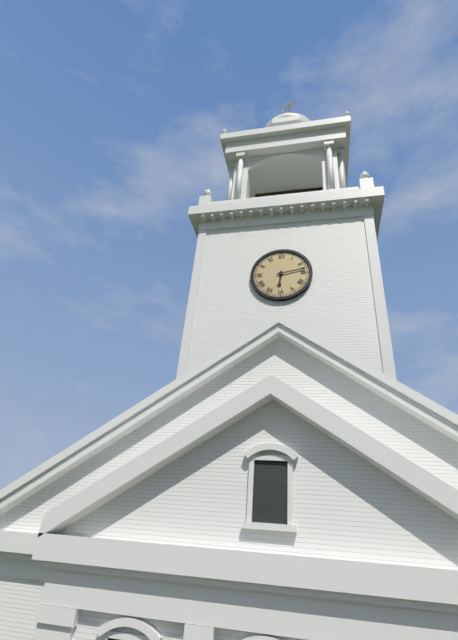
**6:13**
